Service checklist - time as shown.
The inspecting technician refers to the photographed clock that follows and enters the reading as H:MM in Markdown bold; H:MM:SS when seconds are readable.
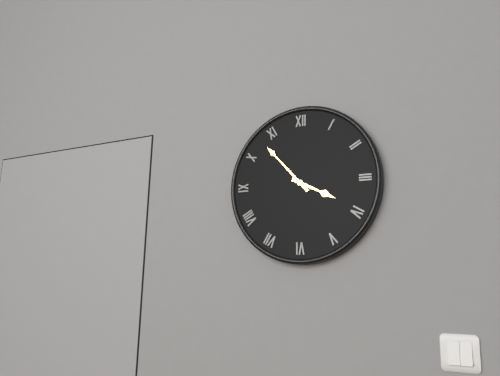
**3:53**
